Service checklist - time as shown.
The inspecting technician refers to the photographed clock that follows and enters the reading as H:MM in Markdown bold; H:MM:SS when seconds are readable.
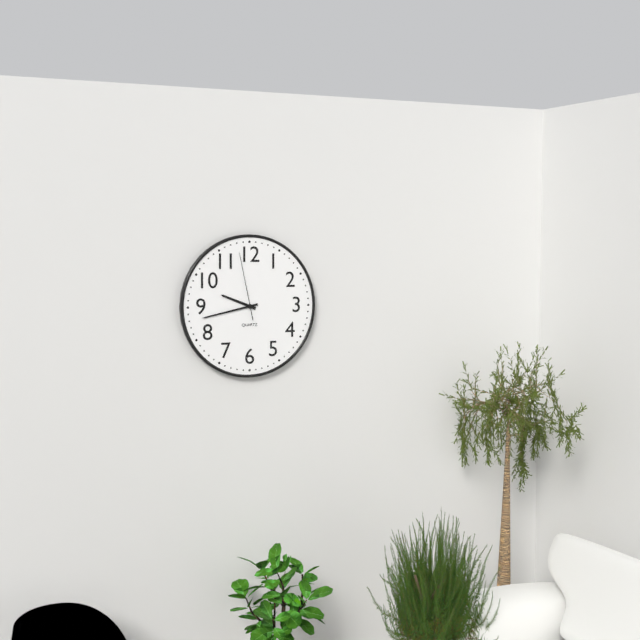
**9:43:58**
